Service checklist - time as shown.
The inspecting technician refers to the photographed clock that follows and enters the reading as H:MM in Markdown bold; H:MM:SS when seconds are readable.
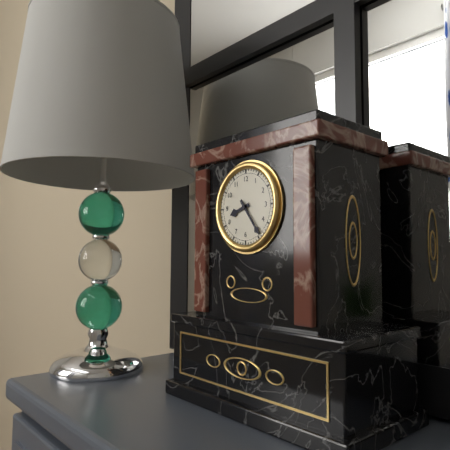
**8:24**
